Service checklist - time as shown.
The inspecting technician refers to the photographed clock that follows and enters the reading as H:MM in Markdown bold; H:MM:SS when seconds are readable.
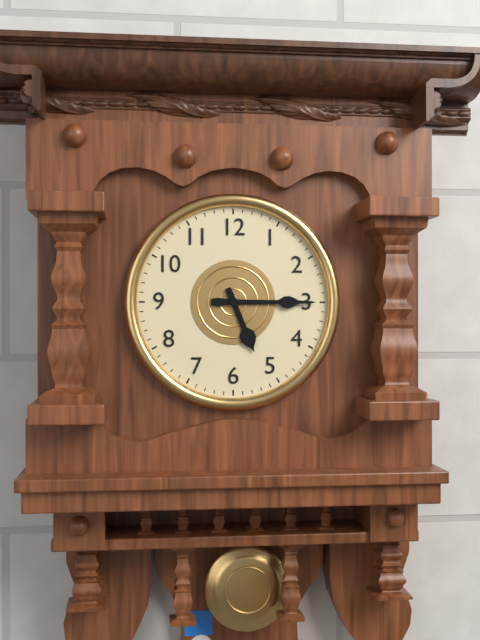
**5:15**
